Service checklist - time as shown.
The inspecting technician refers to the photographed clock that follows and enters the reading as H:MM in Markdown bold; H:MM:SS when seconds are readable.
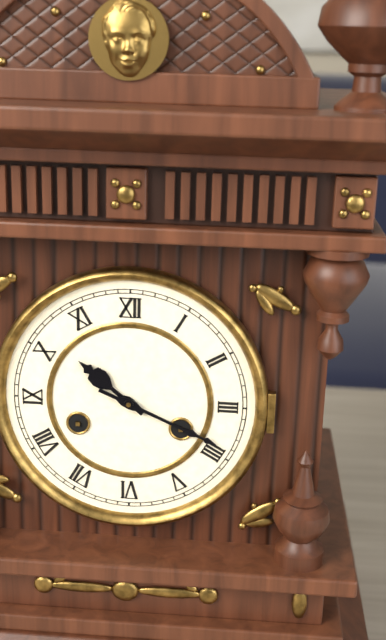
**10:19**
